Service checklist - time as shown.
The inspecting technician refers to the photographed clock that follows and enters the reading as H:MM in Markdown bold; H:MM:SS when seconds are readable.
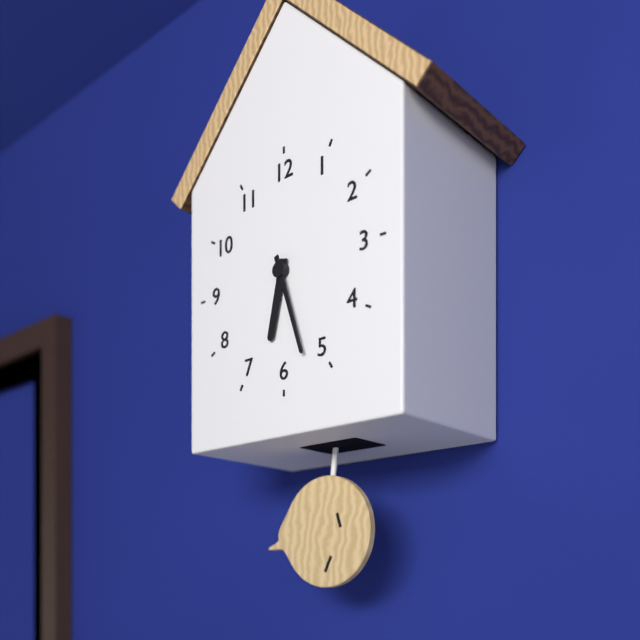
**6:27**
